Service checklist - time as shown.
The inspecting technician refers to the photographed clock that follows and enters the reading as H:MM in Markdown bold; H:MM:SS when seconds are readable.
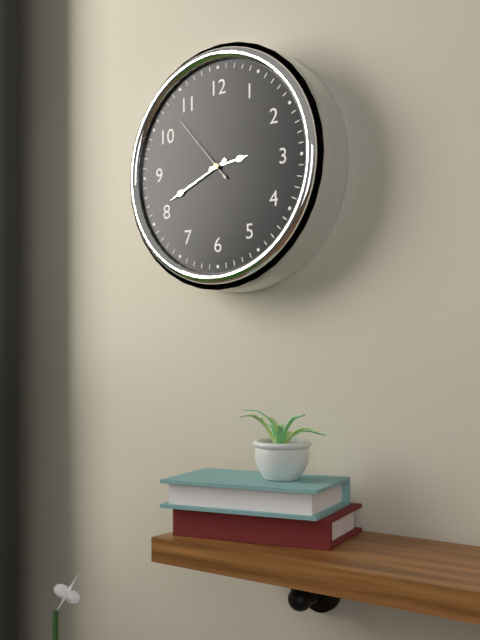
**2:41:53**
